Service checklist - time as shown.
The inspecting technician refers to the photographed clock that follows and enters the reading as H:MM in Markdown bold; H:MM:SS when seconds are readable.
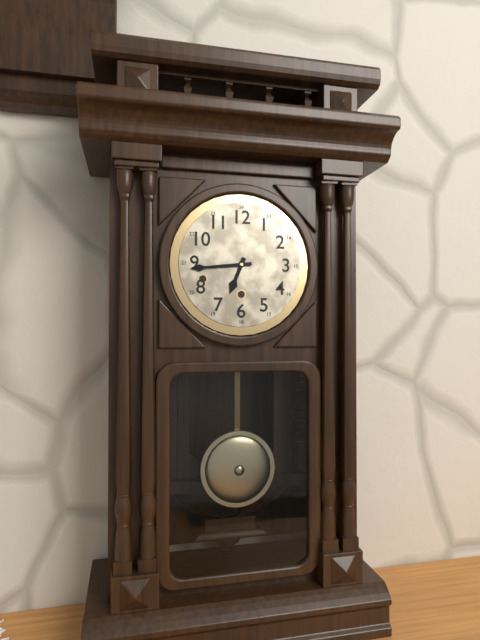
**6:44**
